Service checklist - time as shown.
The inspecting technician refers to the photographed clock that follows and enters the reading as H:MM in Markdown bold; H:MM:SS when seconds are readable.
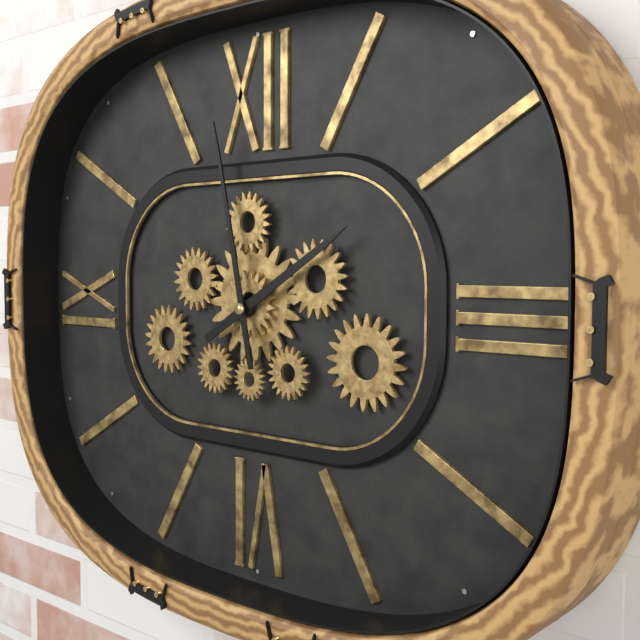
**1:58**
